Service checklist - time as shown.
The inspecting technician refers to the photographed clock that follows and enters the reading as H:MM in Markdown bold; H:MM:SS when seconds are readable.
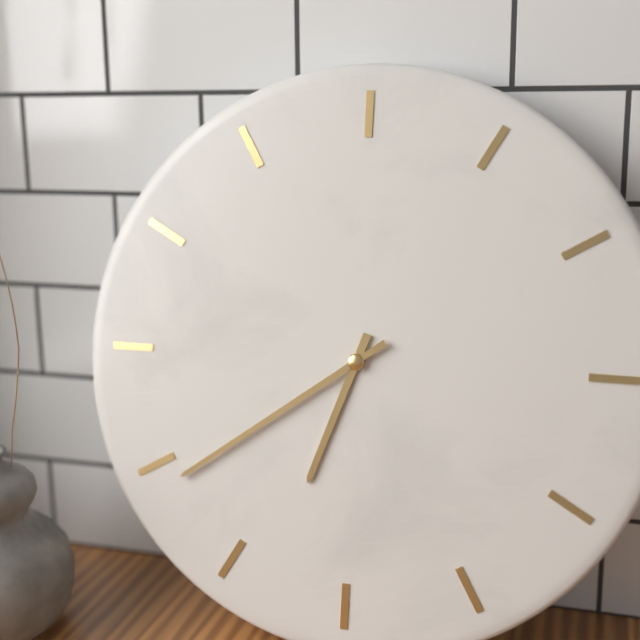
**6:39**
